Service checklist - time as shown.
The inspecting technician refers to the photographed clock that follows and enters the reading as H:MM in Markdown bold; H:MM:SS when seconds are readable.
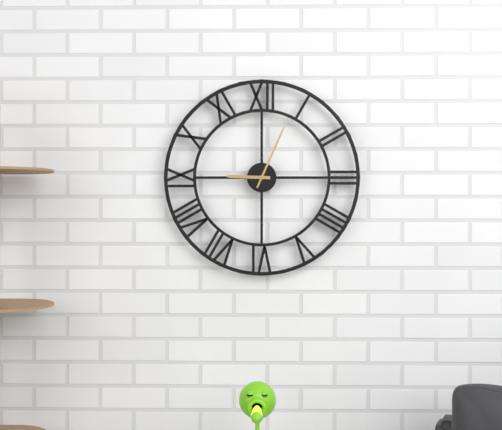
**9:04**
